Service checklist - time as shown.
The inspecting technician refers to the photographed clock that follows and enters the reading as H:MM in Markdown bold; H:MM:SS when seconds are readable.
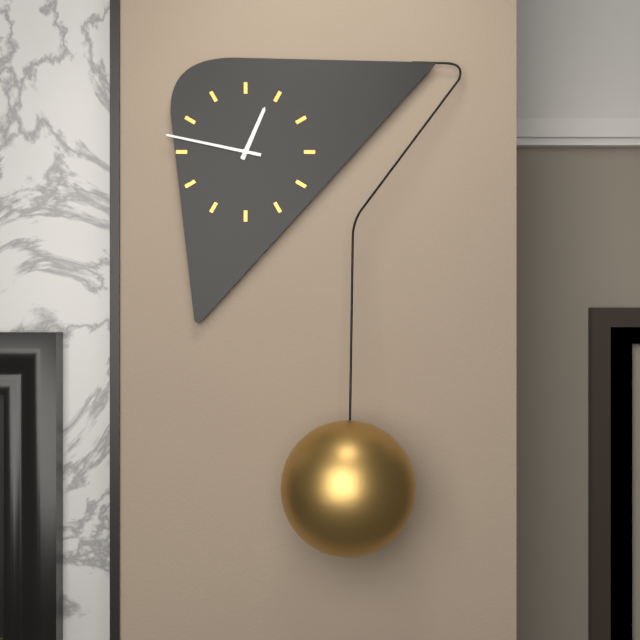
**12:47**
